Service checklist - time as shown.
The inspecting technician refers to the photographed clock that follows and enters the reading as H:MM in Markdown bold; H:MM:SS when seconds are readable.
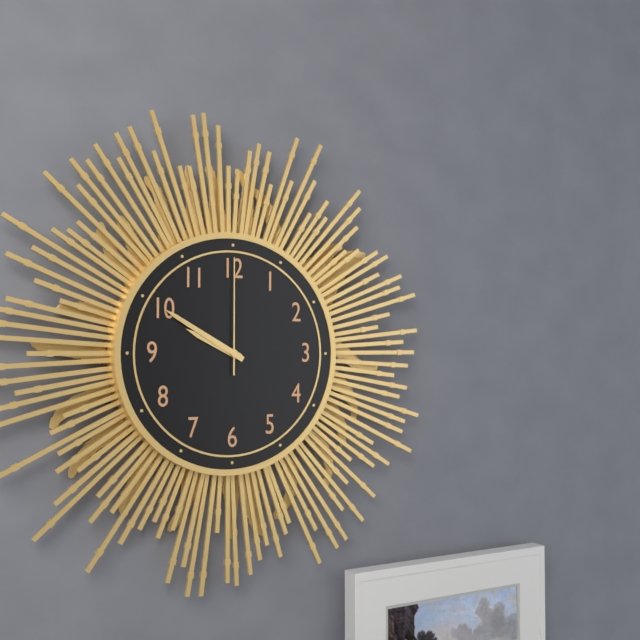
**9:50:00**
